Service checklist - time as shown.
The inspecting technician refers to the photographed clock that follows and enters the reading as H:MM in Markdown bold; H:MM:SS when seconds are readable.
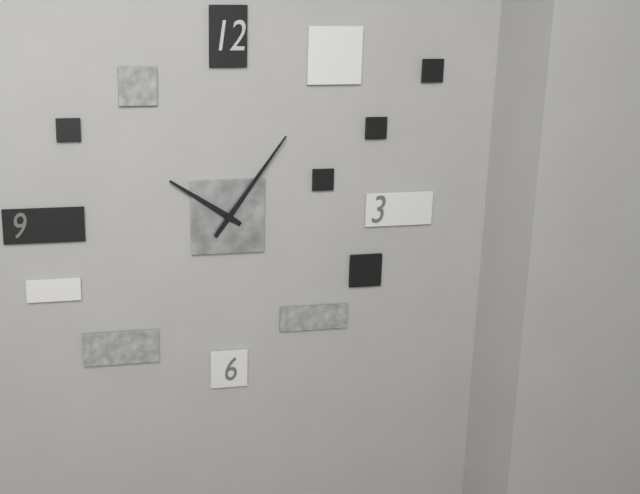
**10:06**
